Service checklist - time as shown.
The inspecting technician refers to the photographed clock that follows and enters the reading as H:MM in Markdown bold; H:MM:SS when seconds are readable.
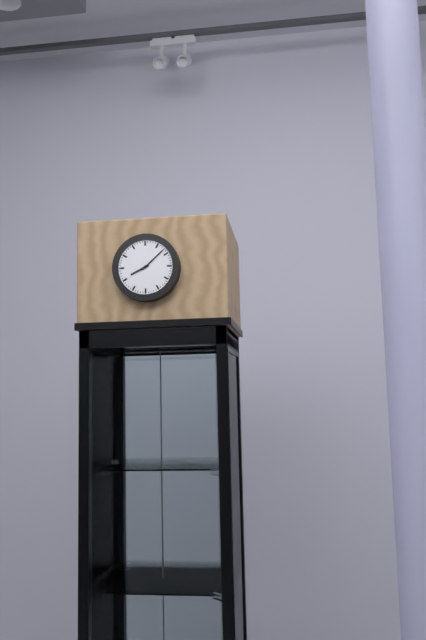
**8:08**
